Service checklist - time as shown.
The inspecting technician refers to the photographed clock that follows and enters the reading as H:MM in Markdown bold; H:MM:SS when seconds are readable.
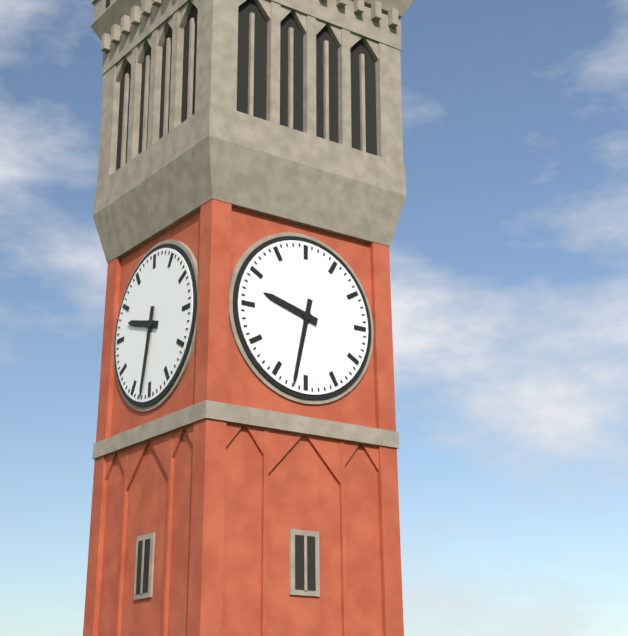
**9:32**
